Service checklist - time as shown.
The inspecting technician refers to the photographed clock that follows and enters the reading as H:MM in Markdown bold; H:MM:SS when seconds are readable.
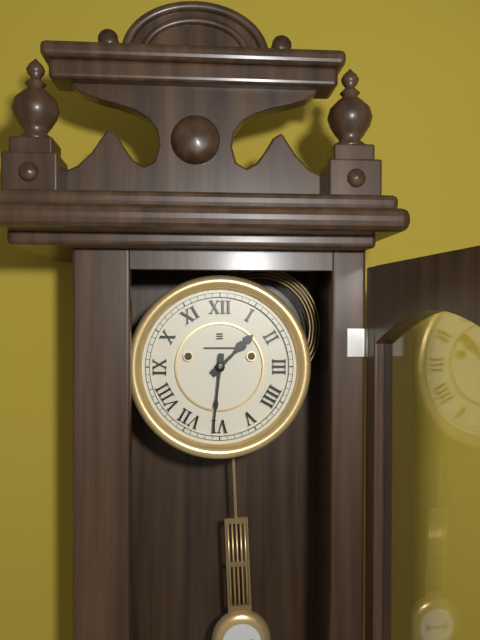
**1:31**
